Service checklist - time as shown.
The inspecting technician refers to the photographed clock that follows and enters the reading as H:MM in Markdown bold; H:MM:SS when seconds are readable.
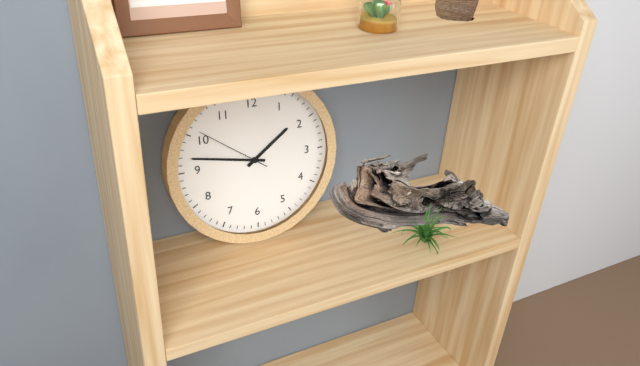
**1:47:51**
